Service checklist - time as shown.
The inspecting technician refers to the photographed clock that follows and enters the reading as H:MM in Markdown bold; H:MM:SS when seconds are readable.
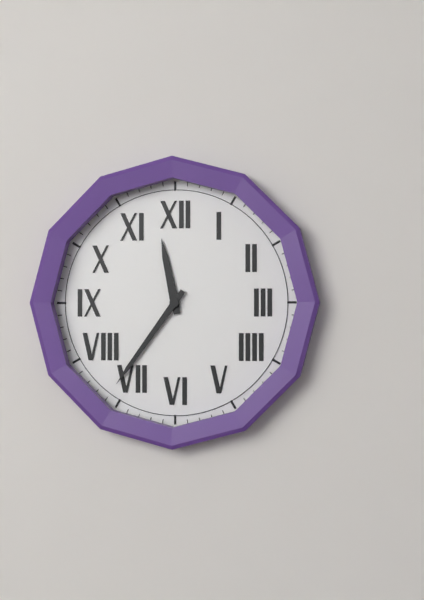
**11:36**
